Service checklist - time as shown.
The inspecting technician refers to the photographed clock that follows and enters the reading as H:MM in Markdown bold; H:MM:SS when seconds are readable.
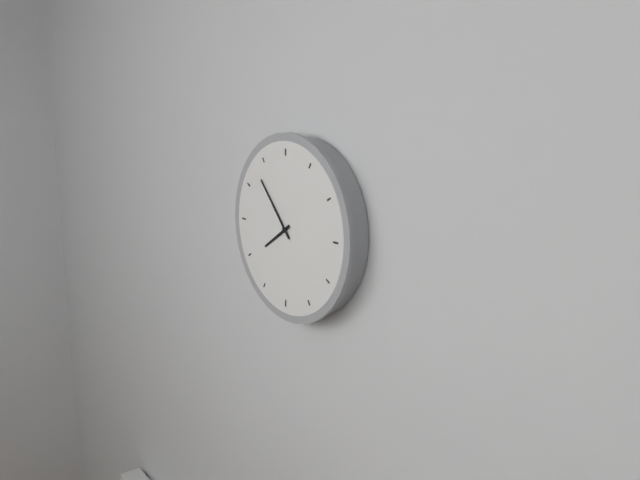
**7:53**
